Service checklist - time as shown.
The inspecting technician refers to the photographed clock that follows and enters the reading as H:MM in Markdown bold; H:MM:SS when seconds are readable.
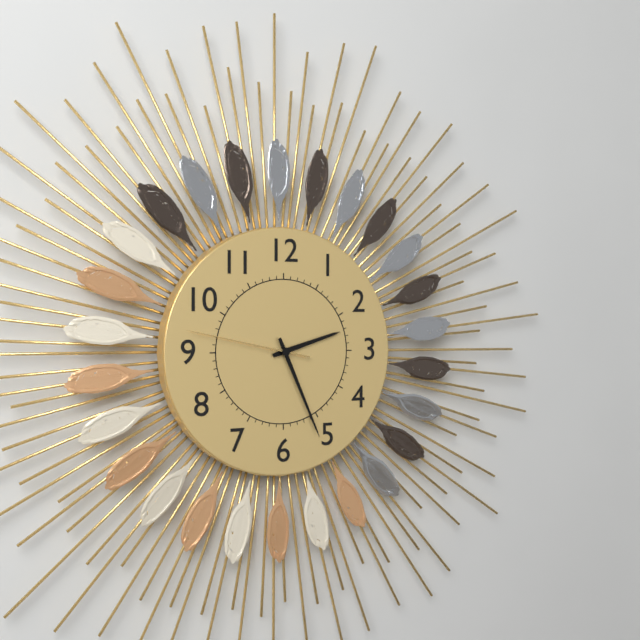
**2:26:47**
